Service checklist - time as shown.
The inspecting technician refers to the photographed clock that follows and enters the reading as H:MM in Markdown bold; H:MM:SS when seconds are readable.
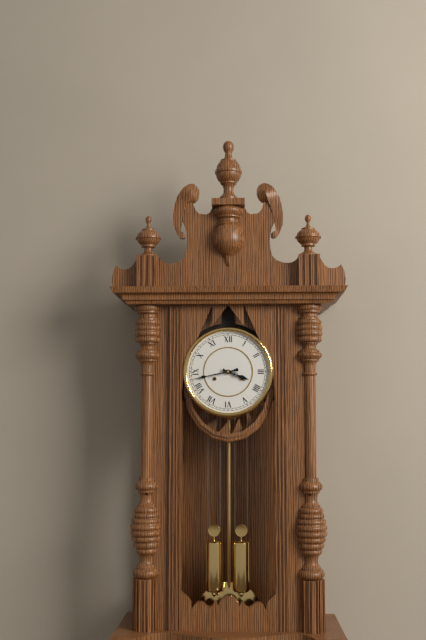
**3:43**
